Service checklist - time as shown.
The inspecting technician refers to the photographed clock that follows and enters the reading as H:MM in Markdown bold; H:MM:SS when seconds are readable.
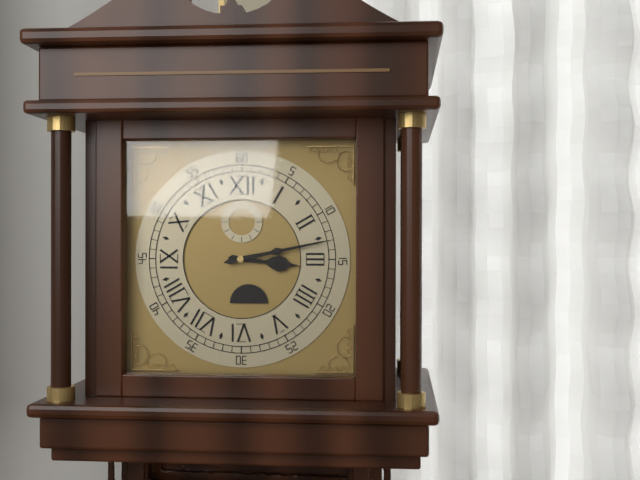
**3:13**
